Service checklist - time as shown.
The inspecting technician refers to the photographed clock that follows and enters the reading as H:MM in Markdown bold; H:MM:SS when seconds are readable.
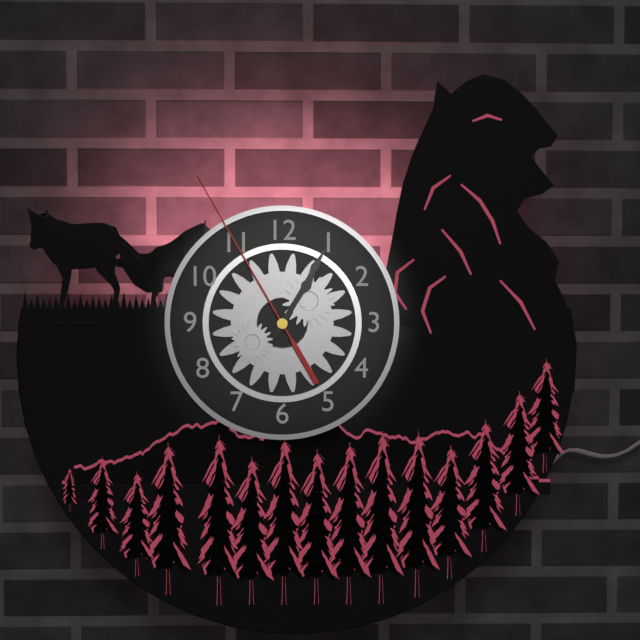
**1:05:55**
